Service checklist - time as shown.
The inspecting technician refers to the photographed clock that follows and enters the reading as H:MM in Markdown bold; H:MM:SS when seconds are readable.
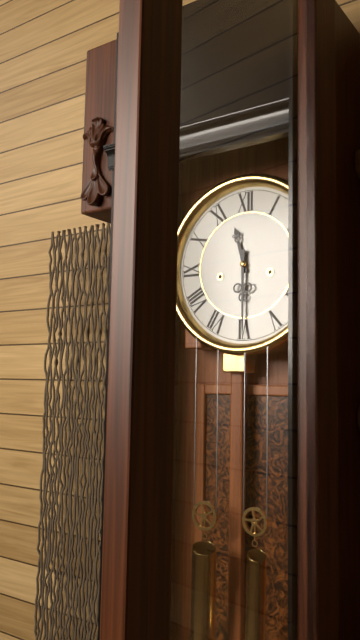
**11:30**
